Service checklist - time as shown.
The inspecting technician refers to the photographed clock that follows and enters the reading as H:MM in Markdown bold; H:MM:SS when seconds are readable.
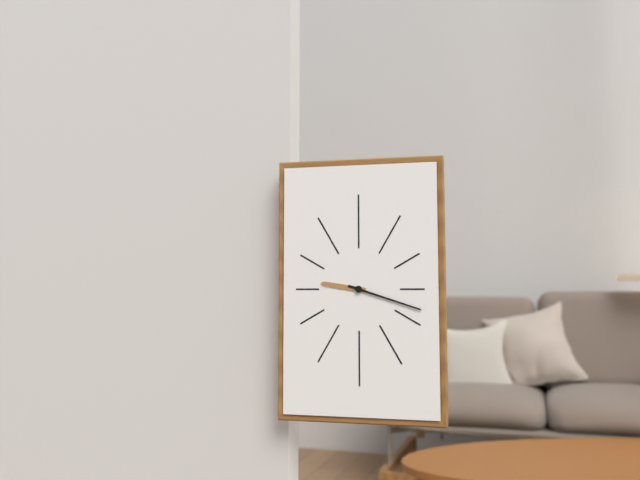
**9:18**
